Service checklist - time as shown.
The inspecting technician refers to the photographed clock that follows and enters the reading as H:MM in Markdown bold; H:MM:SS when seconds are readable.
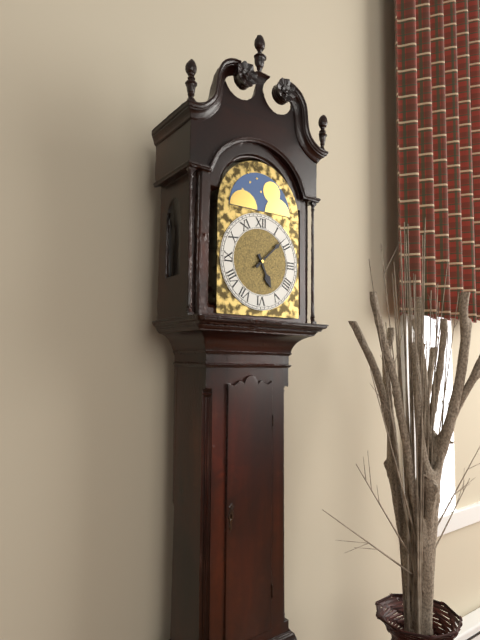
**5:08**
